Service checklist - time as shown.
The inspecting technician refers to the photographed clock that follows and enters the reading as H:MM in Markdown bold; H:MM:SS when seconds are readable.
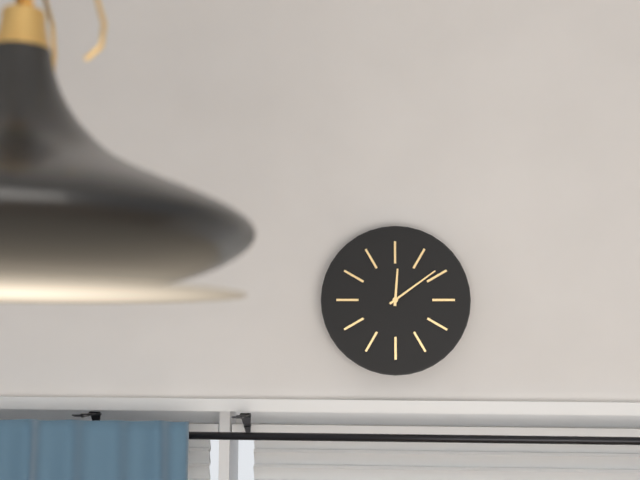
**12:09**
